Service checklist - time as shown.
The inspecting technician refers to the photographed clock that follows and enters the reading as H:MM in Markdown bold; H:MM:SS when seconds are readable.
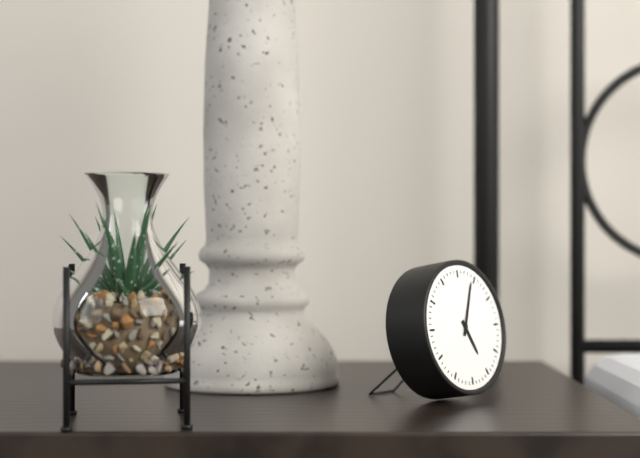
**5:04**
